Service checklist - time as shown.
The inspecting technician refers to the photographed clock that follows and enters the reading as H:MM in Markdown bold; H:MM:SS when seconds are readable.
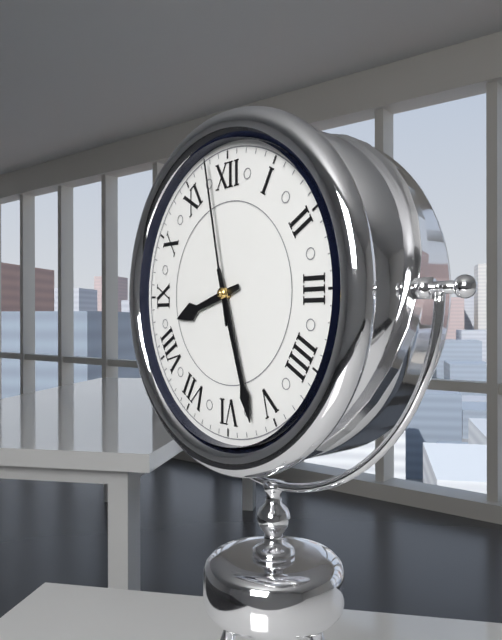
**8:27:58**
